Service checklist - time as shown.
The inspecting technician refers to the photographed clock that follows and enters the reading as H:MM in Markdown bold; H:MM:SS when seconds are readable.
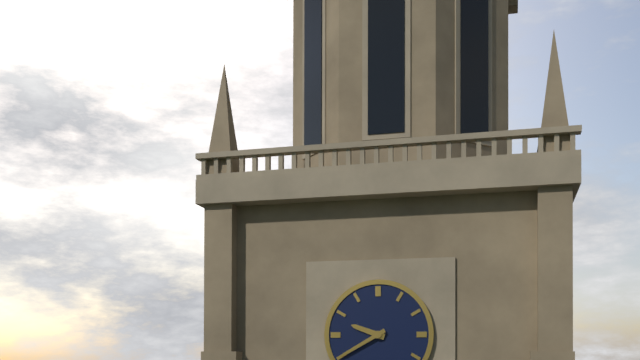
**9:40**
